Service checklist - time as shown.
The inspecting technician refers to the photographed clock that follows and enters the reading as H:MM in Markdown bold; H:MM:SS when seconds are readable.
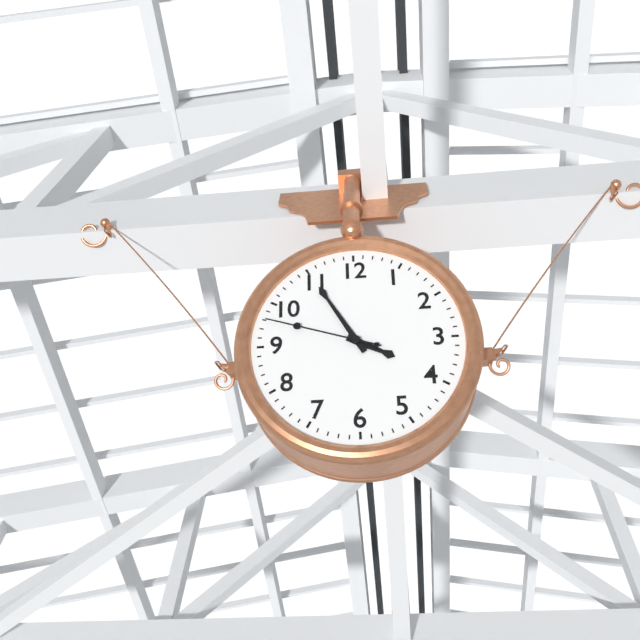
**3:55:48**
